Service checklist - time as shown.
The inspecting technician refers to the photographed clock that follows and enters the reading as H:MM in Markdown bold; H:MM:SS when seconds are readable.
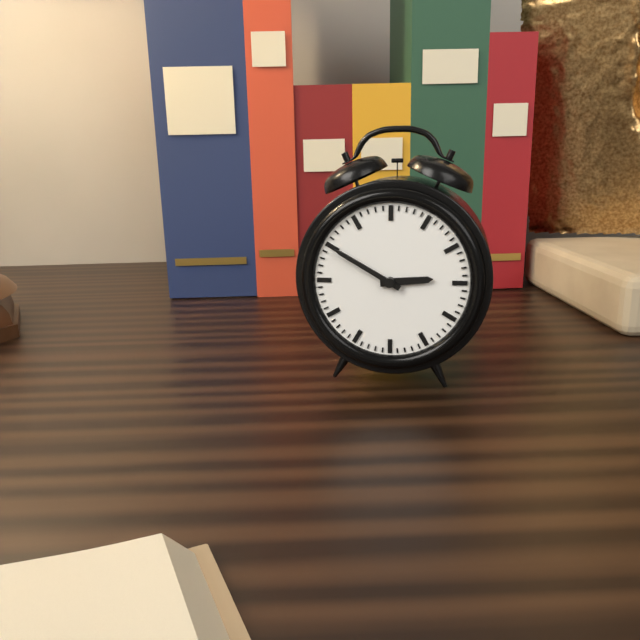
**2:50**
